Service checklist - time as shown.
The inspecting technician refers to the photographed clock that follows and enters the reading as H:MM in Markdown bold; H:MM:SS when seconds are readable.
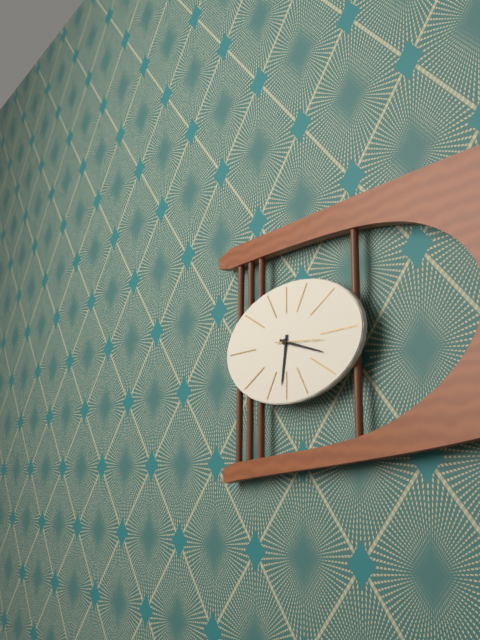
**6:18**
